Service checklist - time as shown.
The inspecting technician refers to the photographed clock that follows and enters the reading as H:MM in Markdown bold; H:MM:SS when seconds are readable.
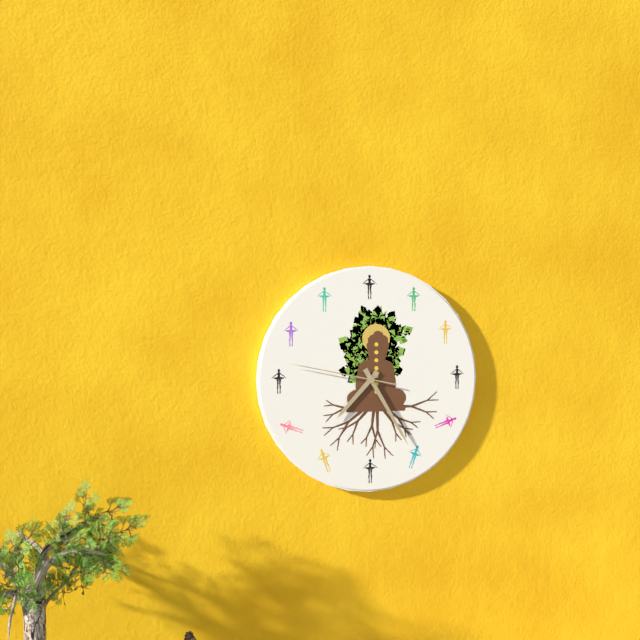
**7:25:47**
